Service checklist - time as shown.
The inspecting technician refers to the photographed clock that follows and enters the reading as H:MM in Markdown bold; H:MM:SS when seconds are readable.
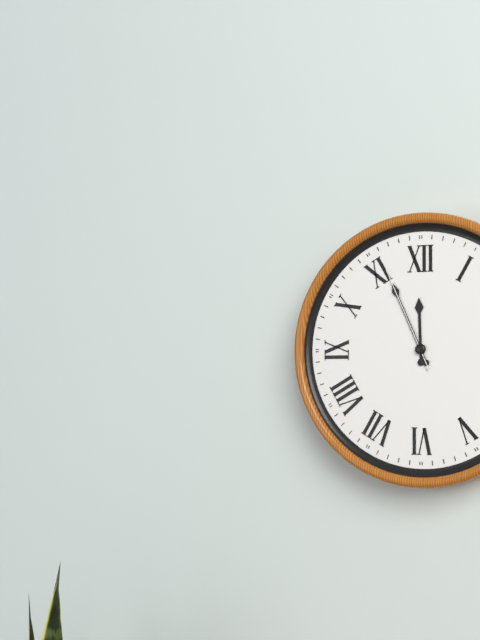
**11:56:56**
